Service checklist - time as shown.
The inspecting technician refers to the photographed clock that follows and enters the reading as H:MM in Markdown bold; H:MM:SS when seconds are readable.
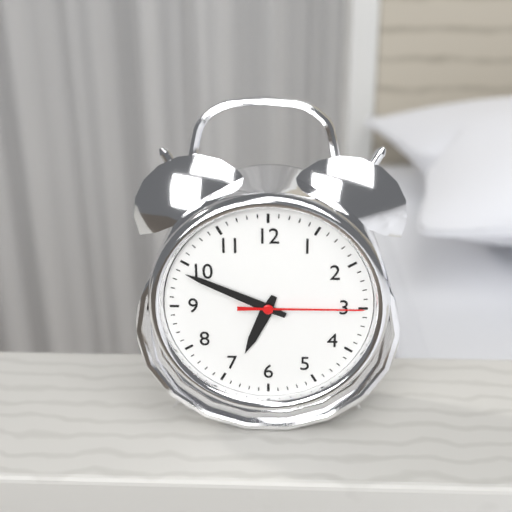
**6:49:15**
